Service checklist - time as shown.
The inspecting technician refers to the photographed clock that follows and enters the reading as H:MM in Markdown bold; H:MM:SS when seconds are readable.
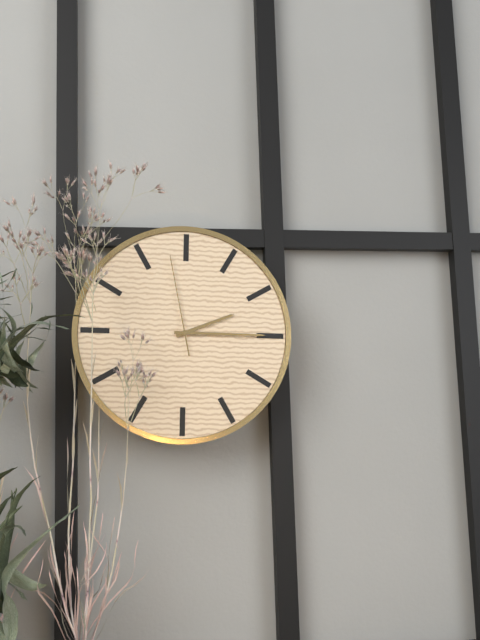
**2:15:58**
